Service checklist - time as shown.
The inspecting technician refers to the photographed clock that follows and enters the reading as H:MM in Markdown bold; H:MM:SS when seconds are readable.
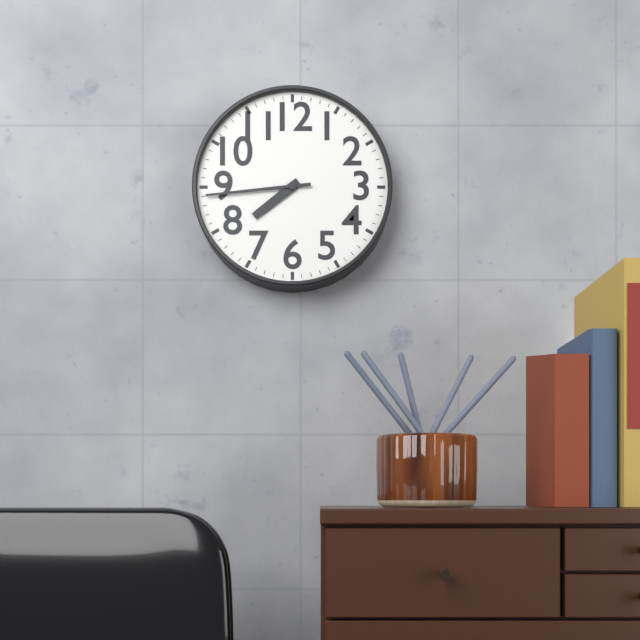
**7:44**
